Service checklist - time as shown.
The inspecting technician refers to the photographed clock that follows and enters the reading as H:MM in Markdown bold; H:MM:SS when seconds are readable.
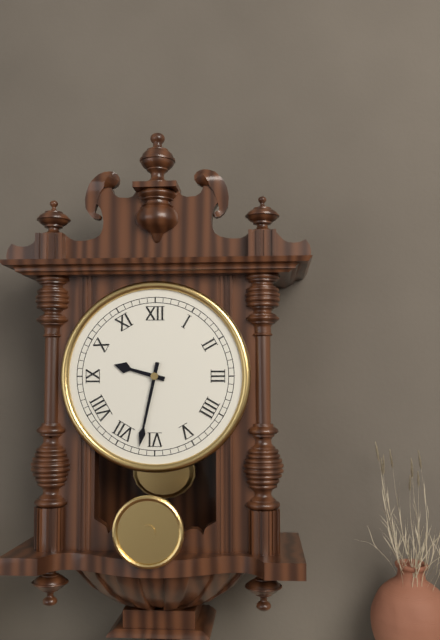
**9:32**
